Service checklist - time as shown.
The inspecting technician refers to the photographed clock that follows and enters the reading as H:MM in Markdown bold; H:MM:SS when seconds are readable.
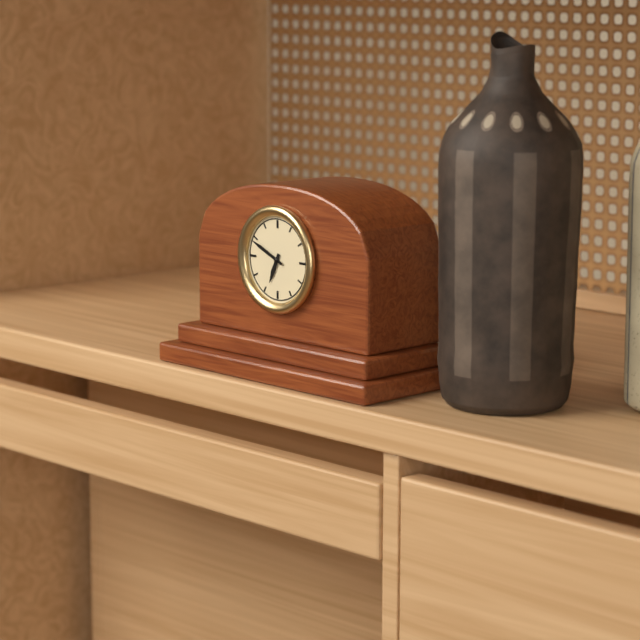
**6:49**
